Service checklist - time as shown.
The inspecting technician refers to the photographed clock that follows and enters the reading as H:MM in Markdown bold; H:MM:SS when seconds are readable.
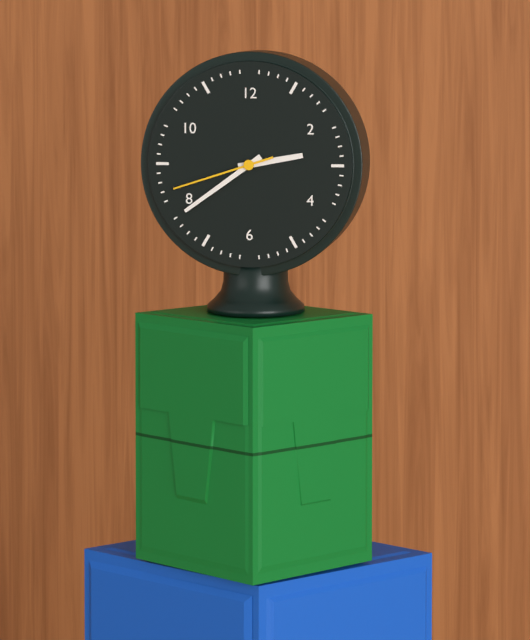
**2:39:42**
